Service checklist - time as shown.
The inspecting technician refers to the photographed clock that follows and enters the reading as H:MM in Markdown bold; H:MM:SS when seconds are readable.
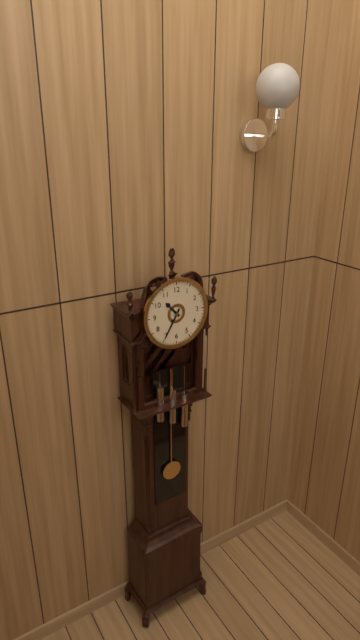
**10:35**
